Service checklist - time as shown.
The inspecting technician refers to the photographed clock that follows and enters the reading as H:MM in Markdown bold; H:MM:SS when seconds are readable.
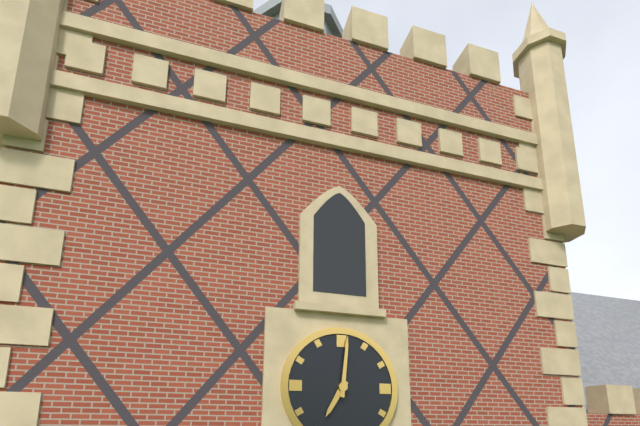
**7:01**
